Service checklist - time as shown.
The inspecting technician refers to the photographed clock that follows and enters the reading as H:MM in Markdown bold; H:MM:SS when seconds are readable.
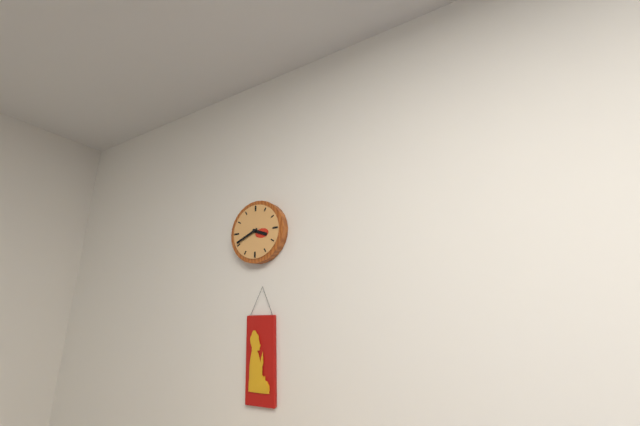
**3:41**
